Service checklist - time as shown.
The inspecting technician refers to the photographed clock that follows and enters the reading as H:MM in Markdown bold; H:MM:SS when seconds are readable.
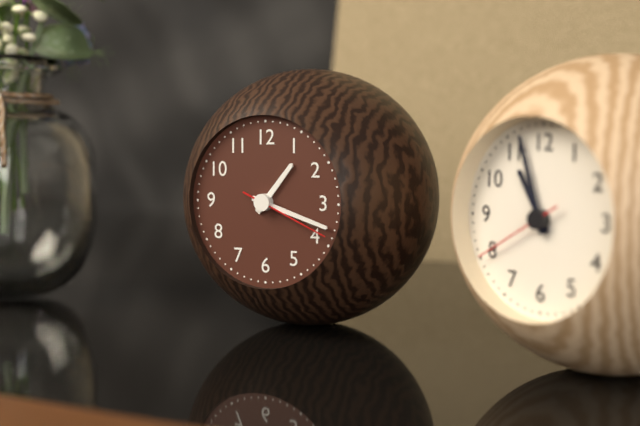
**1:18:19**
